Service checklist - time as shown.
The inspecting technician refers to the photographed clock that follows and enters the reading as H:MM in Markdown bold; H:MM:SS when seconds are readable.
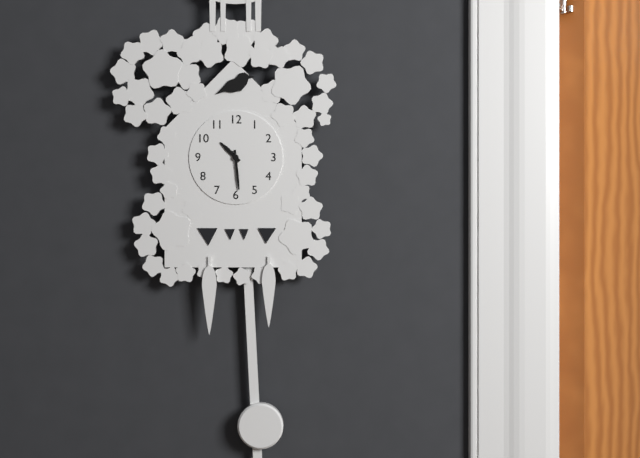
**10:29**
